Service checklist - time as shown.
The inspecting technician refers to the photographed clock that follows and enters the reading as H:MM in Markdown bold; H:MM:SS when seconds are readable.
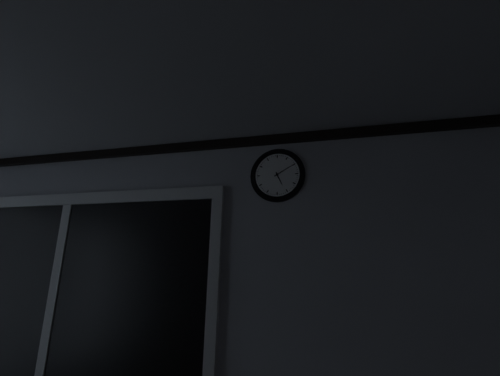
**5:10**
